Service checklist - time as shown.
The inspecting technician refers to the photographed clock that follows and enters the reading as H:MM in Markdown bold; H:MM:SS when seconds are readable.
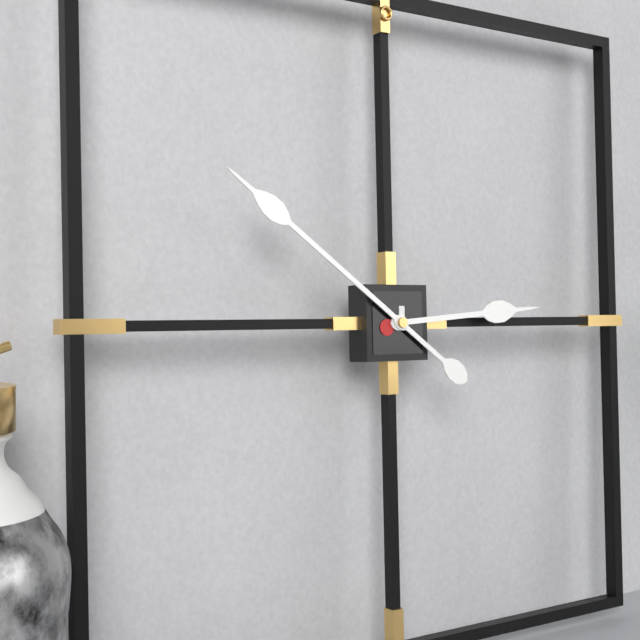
**2:51**
